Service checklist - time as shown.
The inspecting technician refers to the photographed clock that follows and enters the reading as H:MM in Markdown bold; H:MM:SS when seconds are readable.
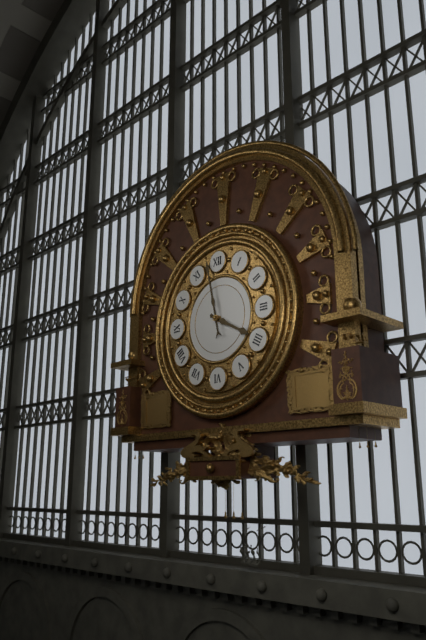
**3:58**
